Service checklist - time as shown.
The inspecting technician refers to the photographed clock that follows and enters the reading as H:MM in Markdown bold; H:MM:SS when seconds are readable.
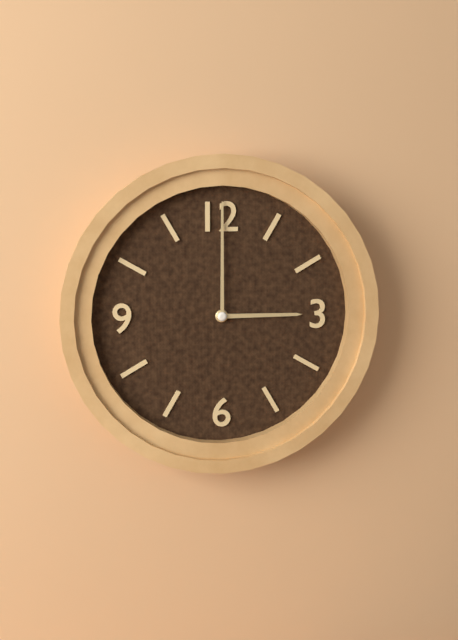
**3:00**
